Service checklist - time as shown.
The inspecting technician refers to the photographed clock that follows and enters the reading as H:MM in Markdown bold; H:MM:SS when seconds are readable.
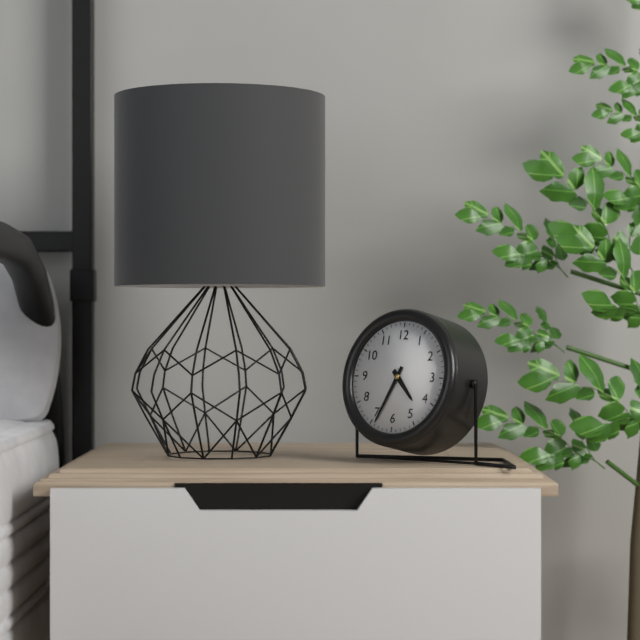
**4:34**
